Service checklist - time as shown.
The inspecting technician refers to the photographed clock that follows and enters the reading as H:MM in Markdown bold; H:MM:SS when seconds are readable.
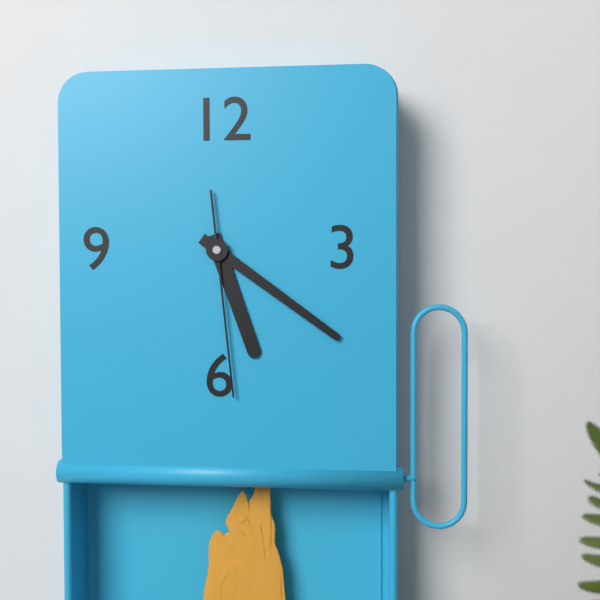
**5:21:29**
